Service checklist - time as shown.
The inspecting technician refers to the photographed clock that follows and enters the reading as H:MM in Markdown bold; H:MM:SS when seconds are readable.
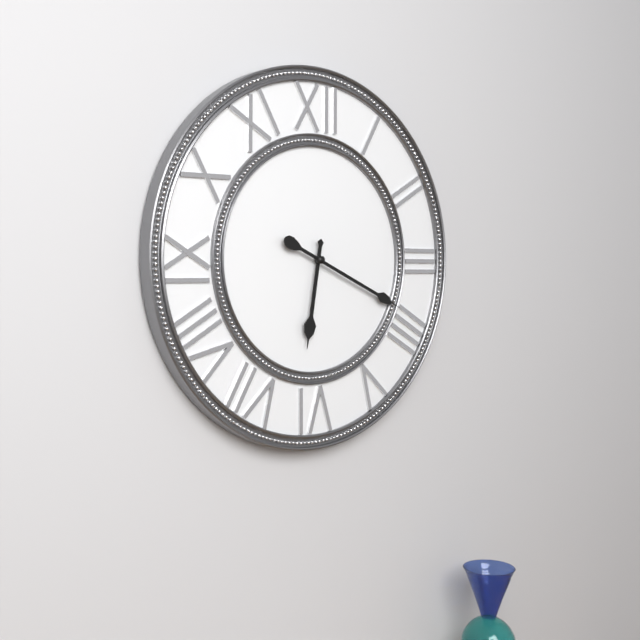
**6:19**
